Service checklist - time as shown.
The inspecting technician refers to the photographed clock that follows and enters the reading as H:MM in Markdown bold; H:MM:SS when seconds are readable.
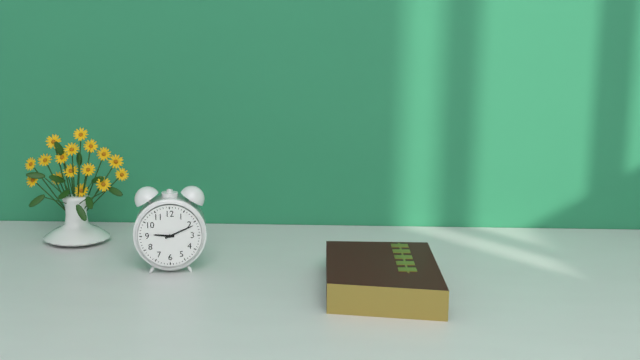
**9:11**
